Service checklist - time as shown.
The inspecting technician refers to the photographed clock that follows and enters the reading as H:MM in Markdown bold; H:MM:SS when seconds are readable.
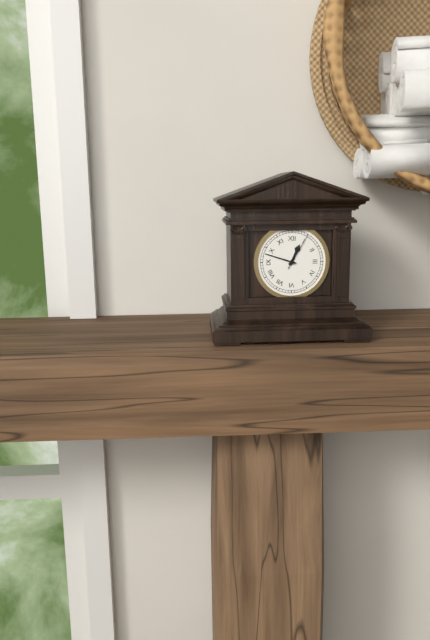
**12:48**
